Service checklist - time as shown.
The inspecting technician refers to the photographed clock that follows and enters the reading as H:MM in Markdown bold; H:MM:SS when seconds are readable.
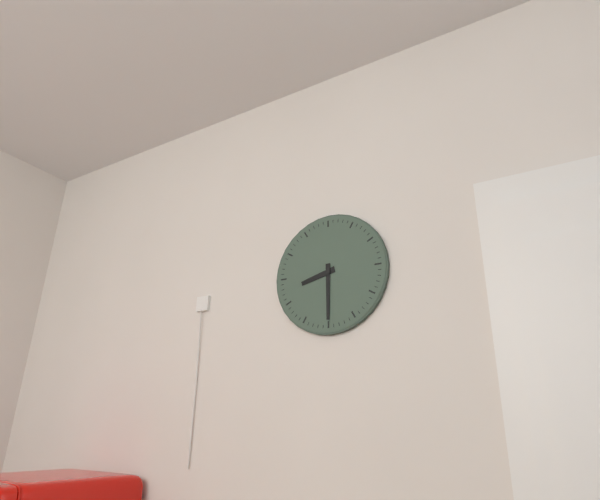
**8:30**
